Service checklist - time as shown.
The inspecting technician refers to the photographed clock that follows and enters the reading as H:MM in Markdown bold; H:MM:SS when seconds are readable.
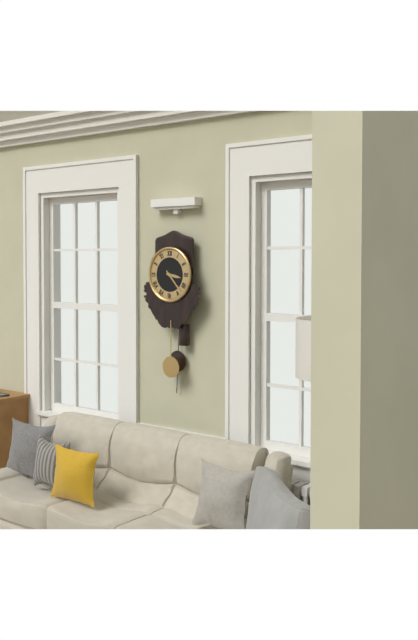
**3:23**
